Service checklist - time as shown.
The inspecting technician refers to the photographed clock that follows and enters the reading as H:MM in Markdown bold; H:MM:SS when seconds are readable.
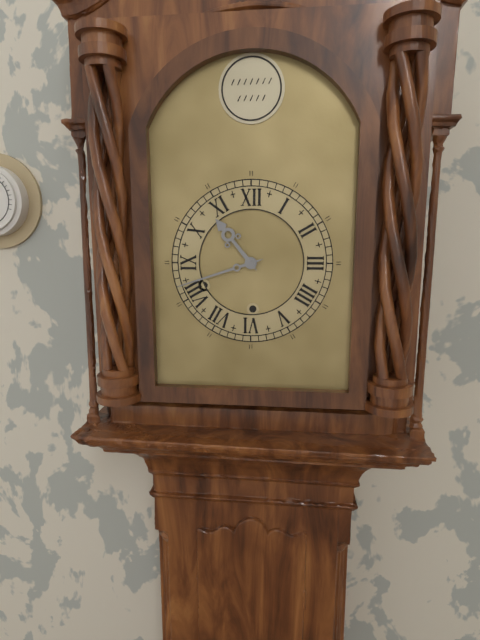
**10:42**
